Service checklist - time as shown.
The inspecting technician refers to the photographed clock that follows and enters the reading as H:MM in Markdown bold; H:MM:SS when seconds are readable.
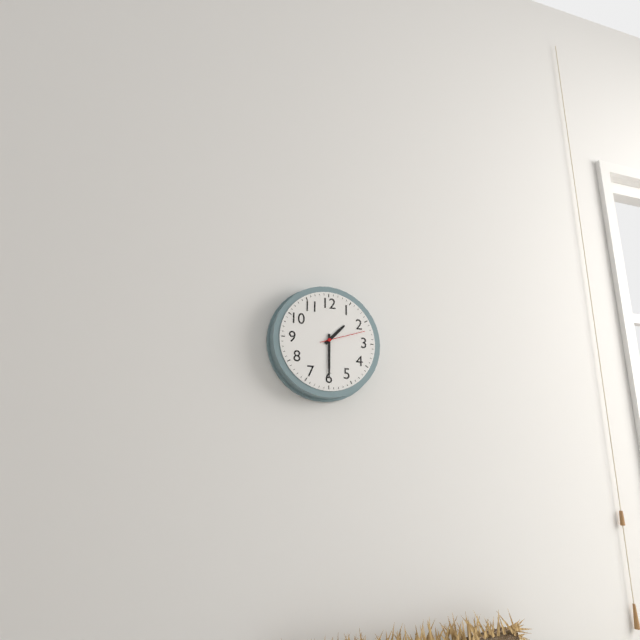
**1:30**
